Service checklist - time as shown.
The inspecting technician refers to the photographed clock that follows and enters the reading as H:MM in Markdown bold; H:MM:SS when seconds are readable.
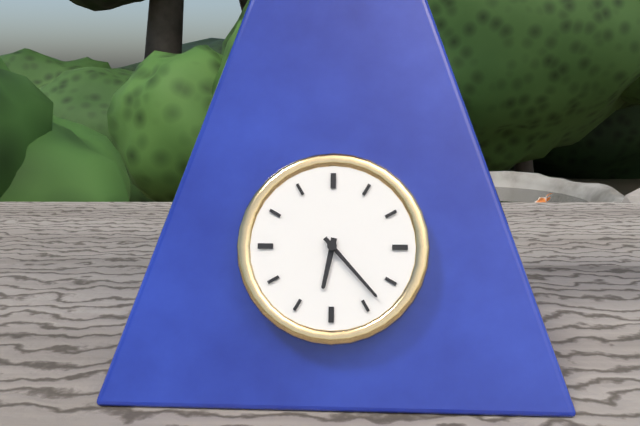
**6:23**
